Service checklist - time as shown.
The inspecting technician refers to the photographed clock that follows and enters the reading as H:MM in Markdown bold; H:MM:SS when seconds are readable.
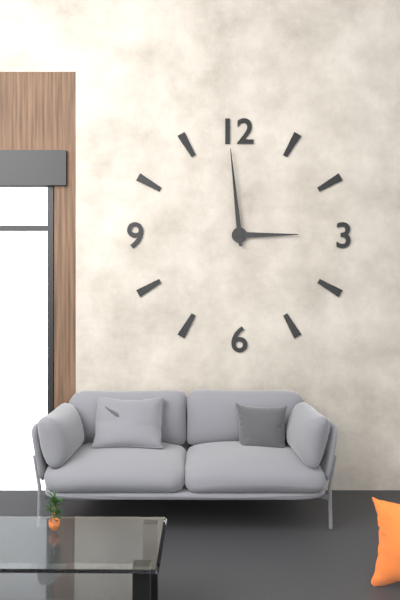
**2:59**
